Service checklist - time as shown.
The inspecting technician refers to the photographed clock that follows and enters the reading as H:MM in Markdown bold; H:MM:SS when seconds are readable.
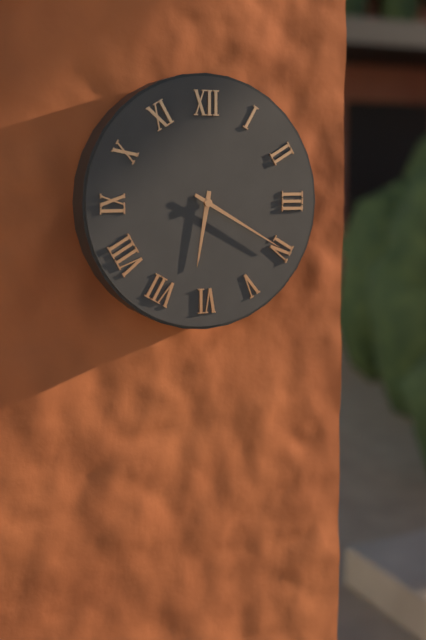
**6:20**
